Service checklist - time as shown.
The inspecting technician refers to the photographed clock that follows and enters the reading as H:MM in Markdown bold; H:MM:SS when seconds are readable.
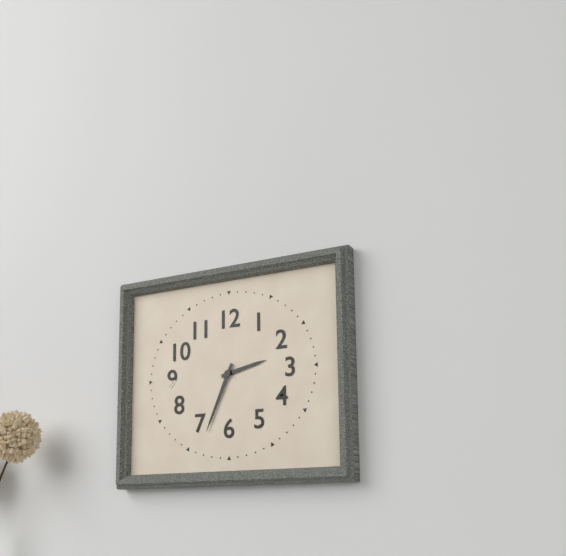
**2:34**
